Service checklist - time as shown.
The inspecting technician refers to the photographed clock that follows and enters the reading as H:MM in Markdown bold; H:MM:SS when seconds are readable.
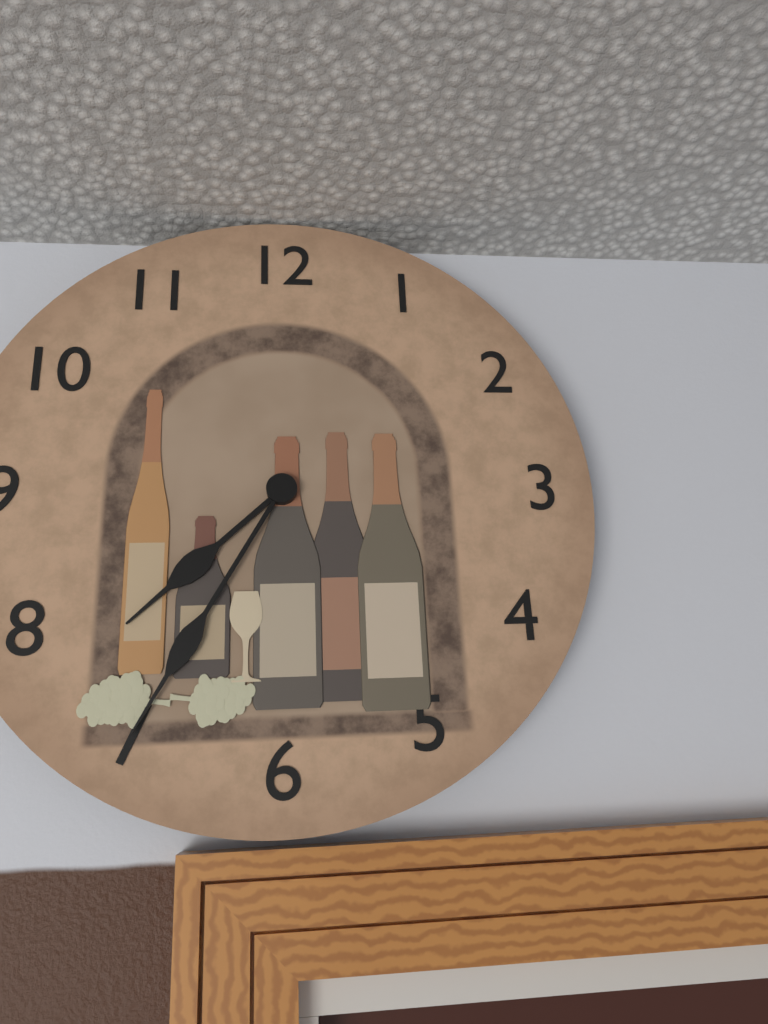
**7:35**
